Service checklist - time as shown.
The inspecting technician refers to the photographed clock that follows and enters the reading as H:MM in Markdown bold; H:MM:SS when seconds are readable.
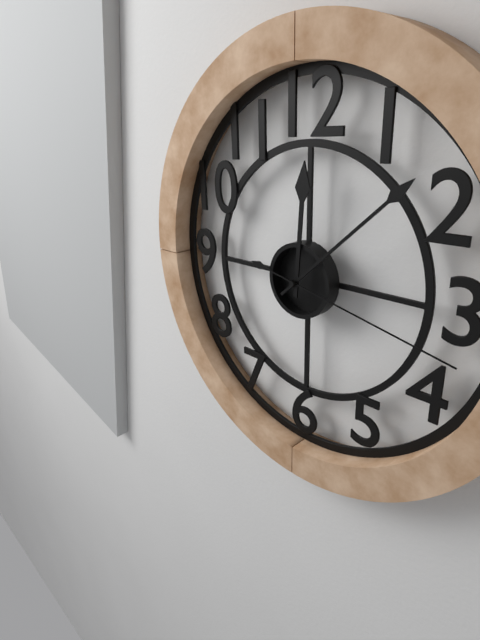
**12:08:17**
